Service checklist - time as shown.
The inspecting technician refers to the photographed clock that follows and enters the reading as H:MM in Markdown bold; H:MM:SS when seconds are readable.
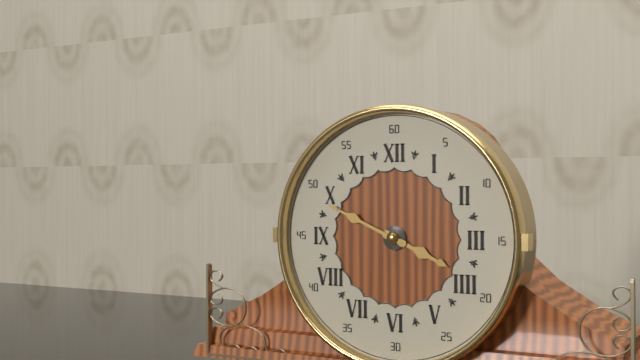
**3:49**
